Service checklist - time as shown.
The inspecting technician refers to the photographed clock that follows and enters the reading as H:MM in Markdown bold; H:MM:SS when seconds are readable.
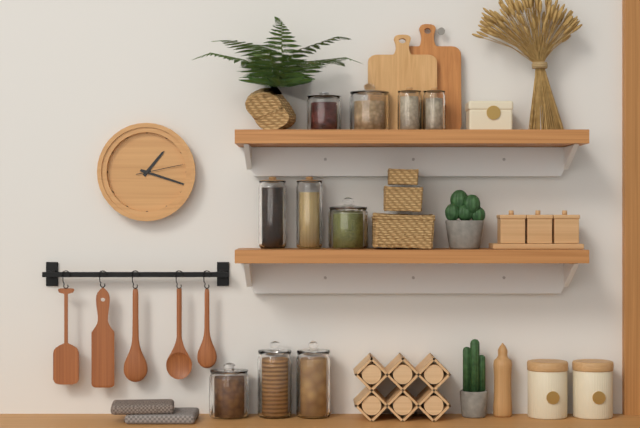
**1:18**
